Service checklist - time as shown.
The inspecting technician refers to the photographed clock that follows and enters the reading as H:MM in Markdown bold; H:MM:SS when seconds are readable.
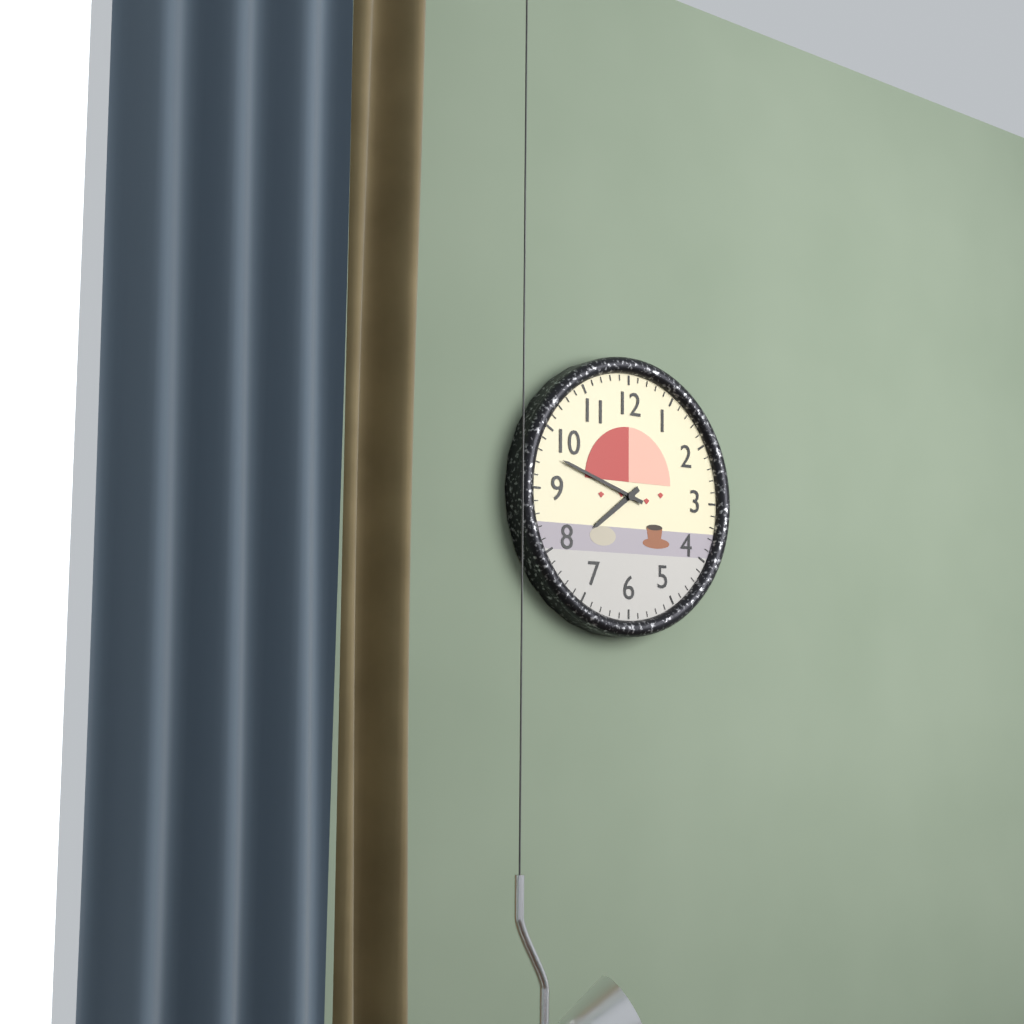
**7:48**
